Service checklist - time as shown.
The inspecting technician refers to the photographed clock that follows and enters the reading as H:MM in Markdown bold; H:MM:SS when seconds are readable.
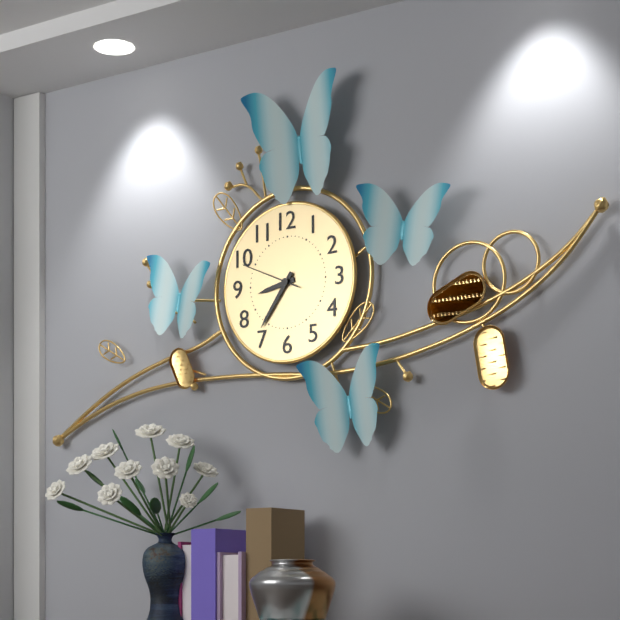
**8:36:49**
